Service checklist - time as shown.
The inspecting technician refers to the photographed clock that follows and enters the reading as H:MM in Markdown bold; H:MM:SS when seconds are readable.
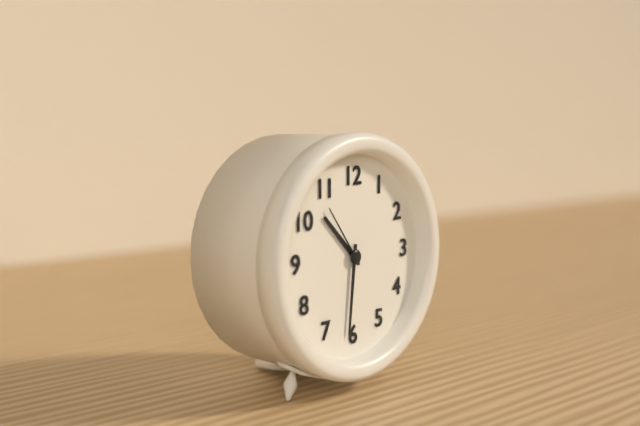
**10:31:54**
